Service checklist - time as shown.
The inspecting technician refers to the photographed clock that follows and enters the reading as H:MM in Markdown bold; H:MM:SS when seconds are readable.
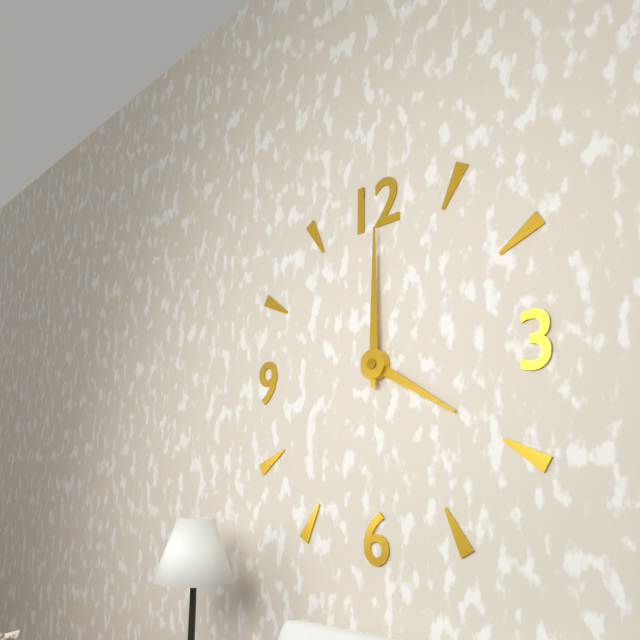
**4:00**
